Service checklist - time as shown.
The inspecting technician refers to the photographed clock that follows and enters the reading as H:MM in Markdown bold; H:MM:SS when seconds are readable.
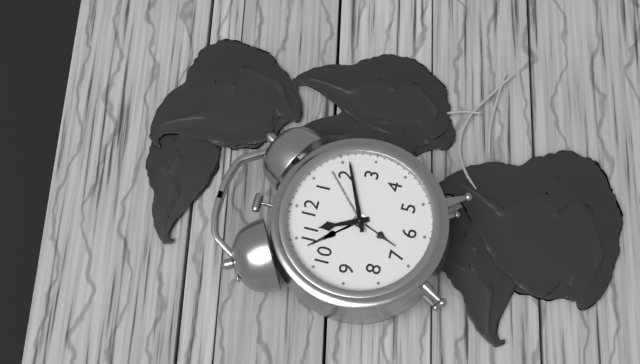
**11:11**
